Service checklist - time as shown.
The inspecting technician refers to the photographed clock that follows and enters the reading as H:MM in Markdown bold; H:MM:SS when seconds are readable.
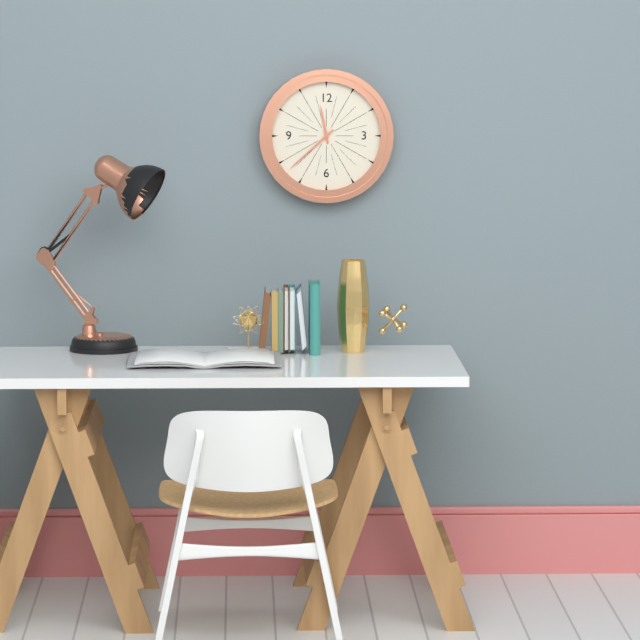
**11:38**
